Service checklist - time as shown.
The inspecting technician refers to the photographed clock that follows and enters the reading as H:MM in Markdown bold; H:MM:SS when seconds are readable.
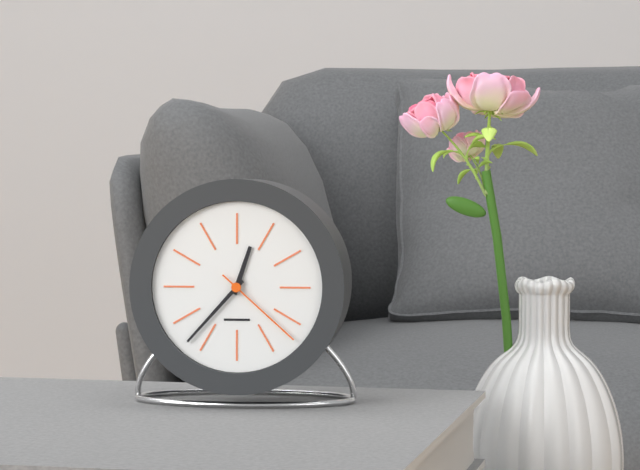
**12:37:22**
